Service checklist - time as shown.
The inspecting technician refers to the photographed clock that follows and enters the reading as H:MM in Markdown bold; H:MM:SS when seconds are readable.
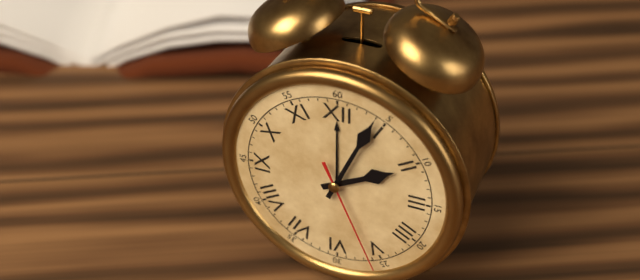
**2:04:26**
